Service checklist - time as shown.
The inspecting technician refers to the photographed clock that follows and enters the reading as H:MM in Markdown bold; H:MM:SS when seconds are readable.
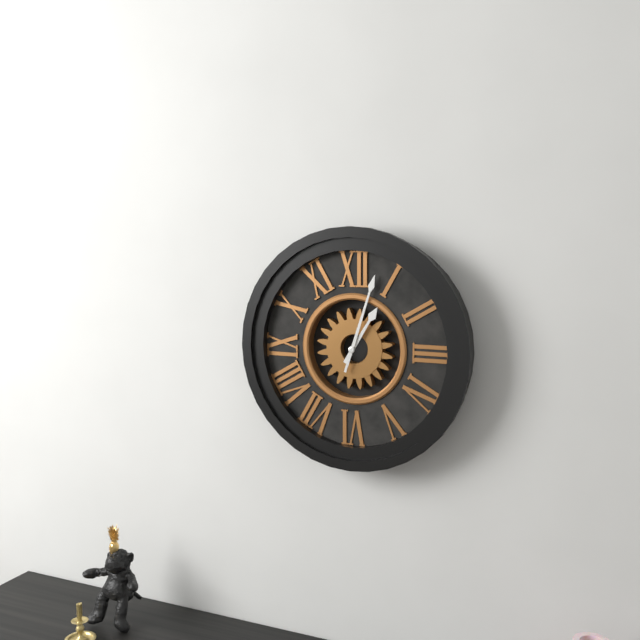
**1:03**
